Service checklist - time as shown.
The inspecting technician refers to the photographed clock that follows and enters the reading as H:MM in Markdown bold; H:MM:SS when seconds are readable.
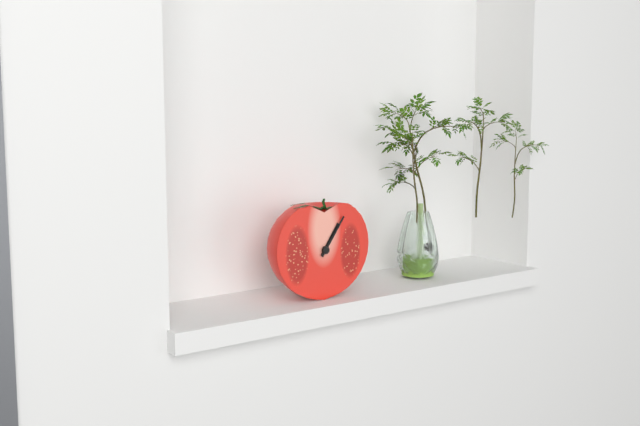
**1:06**
